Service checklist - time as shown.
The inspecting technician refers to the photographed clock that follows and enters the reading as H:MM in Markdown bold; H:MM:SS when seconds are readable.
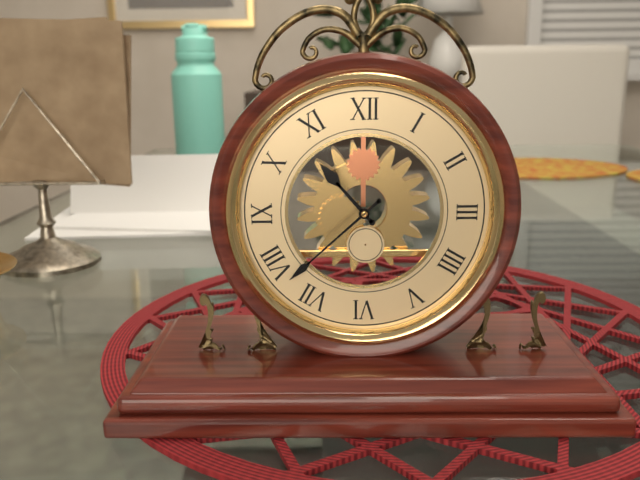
**10:38**
